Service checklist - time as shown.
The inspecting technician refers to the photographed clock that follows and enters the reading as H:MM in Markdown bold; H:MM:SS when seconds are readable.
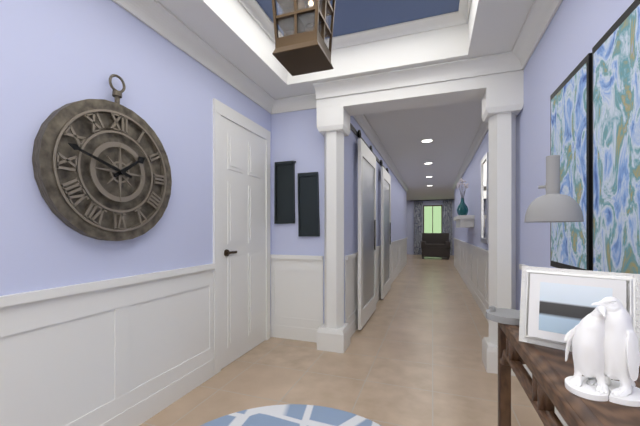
**1:48**
